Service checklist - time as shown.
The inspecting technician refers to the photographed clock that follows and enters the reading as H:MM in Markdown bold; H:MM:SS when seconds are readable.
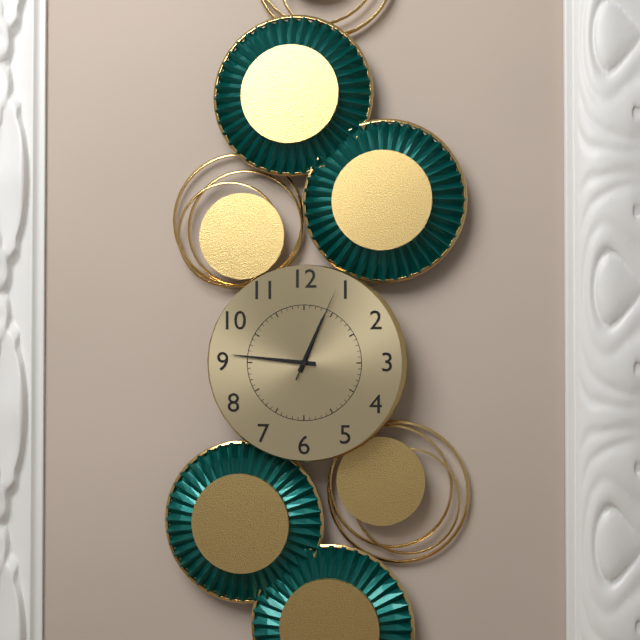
**12:46:04**
